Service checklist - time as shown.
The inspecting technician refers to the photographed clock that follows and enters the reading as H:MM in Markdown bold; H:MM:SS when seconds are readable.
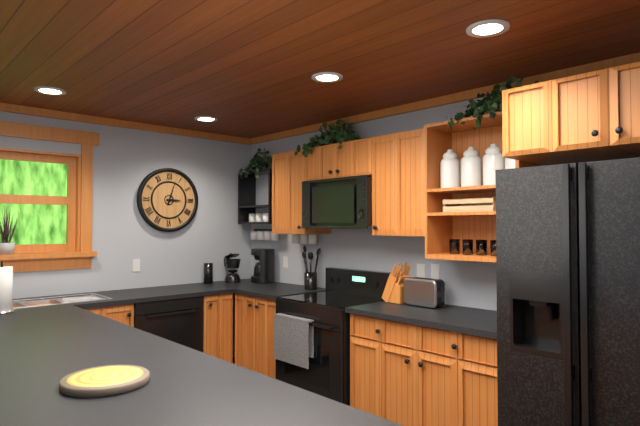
**3:03**
